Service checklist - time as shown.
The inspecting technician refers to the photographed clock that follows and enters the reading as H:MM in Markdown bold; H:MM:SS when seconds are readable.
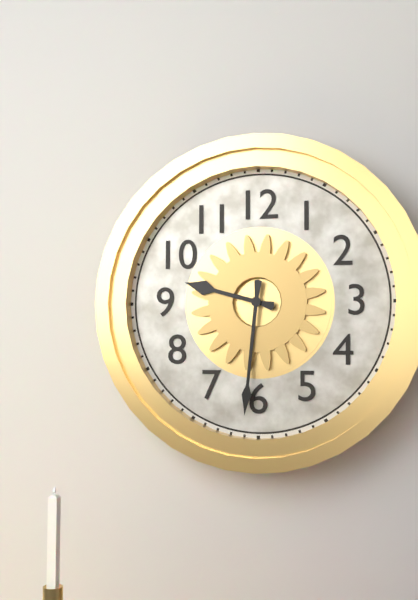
**9:31**
